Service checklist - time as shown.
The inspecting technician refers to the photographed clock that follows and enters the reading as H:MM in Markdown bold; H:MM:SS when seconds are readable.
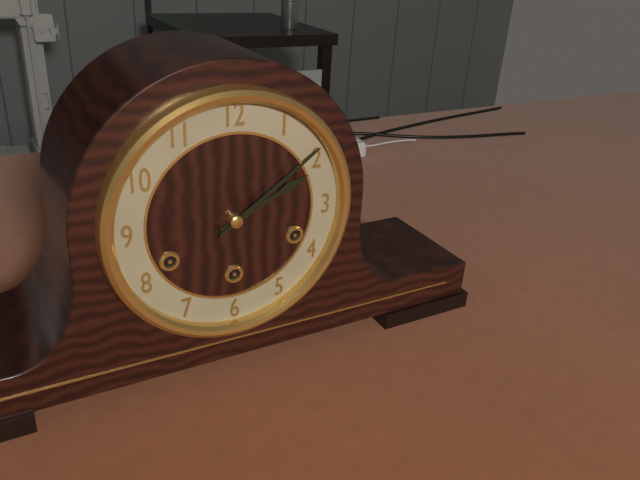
**2:09**
